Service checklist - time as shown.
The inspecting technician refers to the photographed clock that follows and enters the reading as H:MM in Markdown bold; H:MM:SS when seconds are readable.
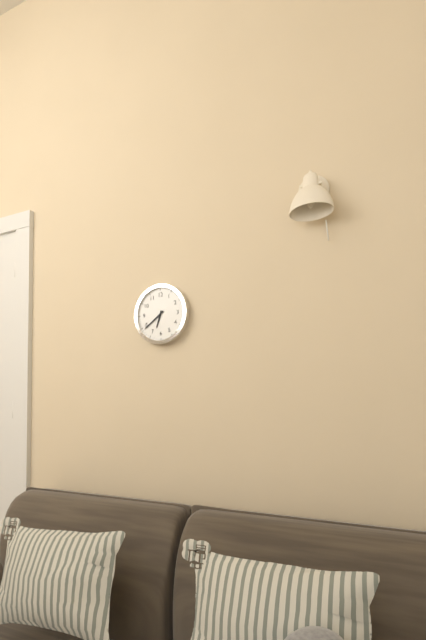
**6:39**
